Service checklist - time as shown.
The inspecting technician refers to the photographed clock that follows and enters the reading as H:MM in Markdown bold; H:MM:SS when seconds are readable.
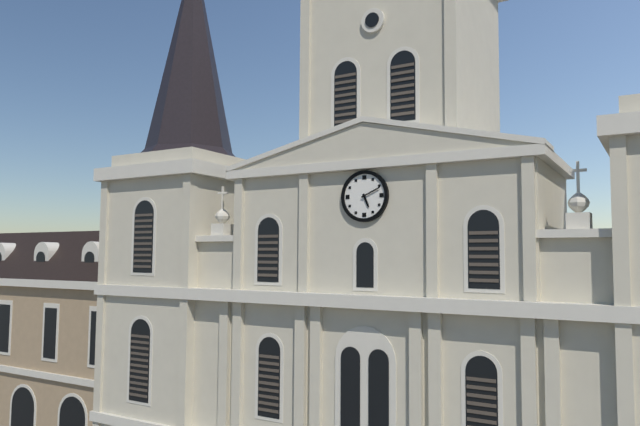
**5:11**
